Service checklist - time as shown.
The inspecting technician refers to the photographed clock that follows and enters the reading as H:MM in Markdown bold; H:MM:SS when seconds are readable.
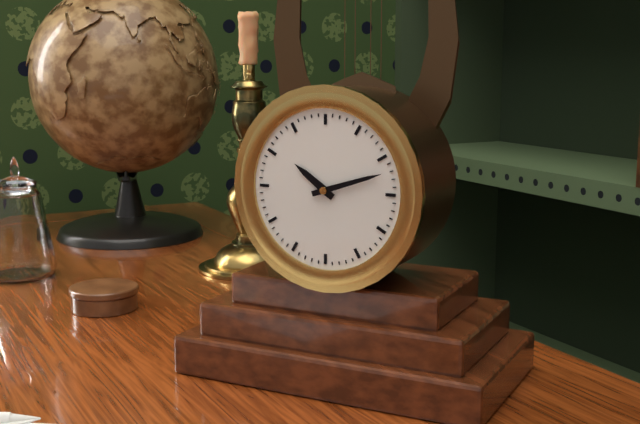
**10:12**
